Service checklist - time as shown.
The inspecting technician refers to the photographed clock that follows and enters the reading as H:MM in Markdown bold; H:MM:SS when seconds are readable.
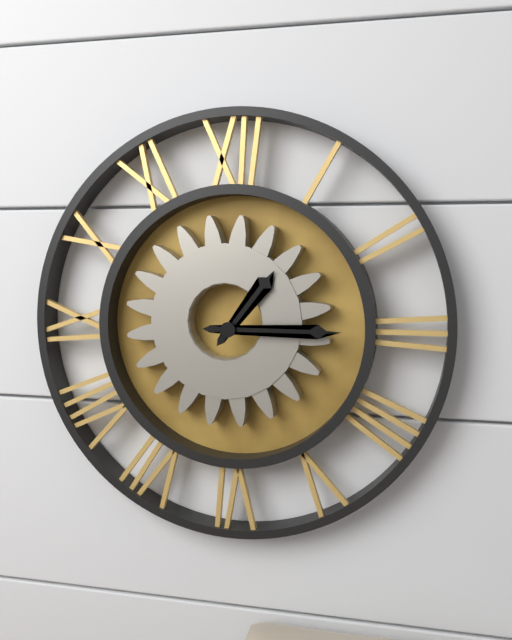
**1:15**
